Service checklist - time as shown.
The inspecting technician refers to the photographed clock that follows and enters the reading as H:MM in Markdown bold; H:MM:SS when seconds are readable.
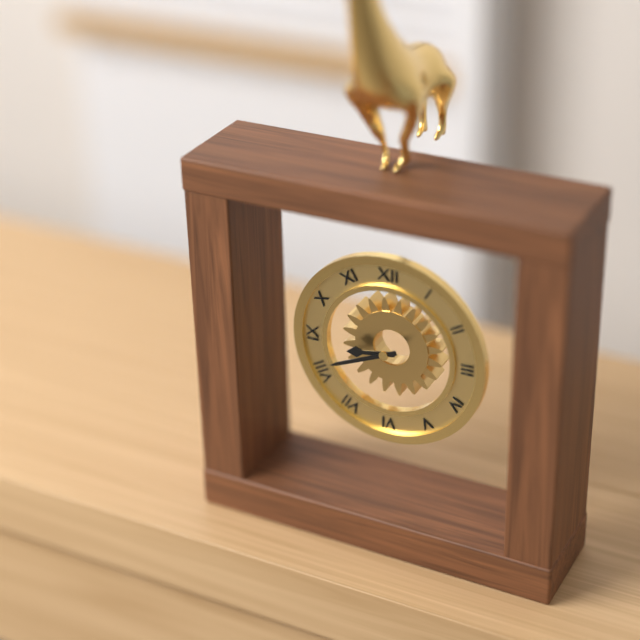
**8:41**
